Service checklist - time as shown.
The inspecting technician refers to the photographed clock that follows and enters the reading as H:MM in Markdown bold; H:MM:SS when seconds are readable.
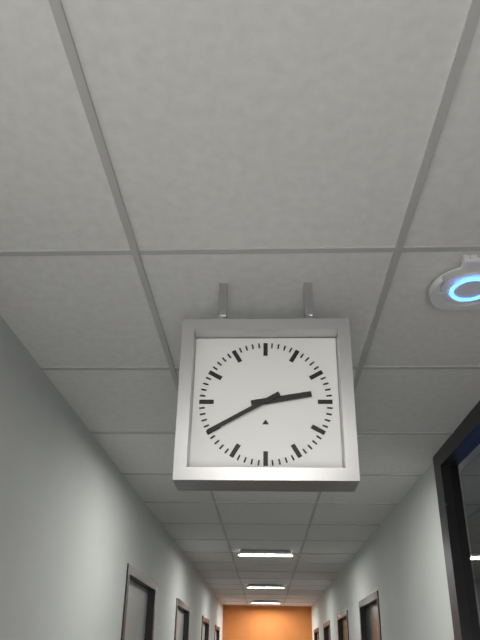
**2:40**
